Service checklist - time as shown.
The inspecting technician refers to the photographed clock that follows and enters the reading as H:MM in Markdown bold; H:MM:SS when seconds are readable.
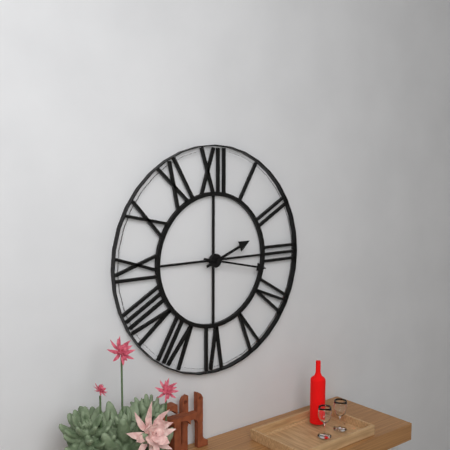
**2:17**
